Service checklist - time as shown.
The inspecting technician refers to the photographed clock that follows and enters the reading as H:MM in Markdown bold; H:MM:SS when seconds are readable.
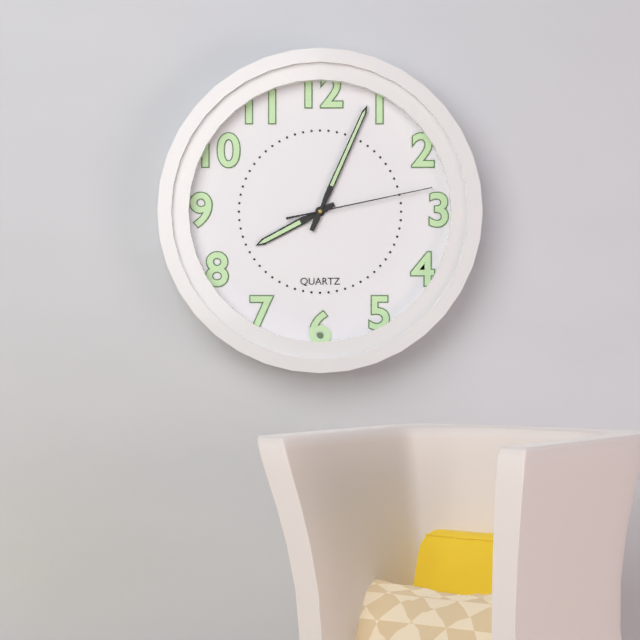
**8:04:13**
